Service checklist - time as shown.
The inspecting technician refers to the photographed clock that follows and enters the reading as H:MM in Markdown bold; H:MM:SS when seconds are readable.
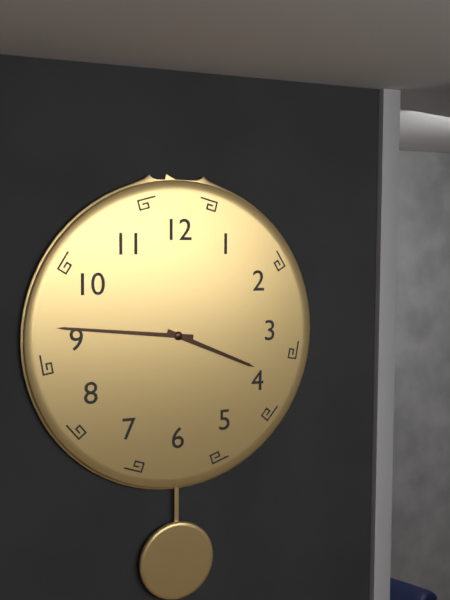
**3:46**
